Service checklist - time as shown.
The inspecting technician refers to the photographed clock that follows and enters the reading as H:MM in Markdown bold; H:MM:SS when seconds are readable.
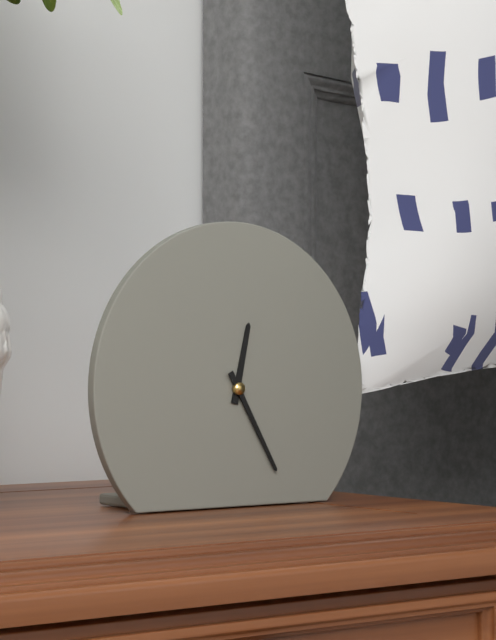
**12:25**
